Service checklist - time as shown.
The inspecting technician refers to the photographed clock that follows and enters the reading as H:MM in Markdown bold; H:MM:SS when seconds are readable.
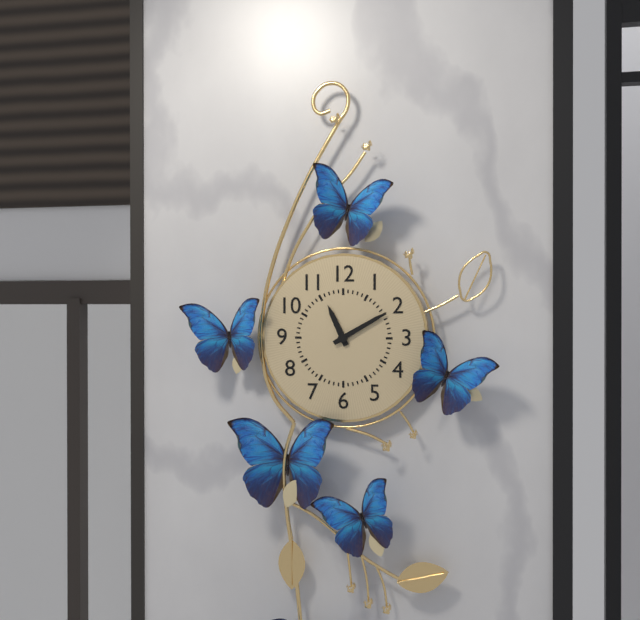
**11:10**
